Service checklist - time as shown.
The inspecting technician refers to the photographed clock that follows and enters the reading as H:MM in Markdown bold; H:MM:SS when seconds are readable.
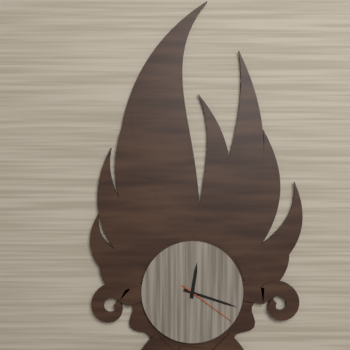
**12:18:21**
